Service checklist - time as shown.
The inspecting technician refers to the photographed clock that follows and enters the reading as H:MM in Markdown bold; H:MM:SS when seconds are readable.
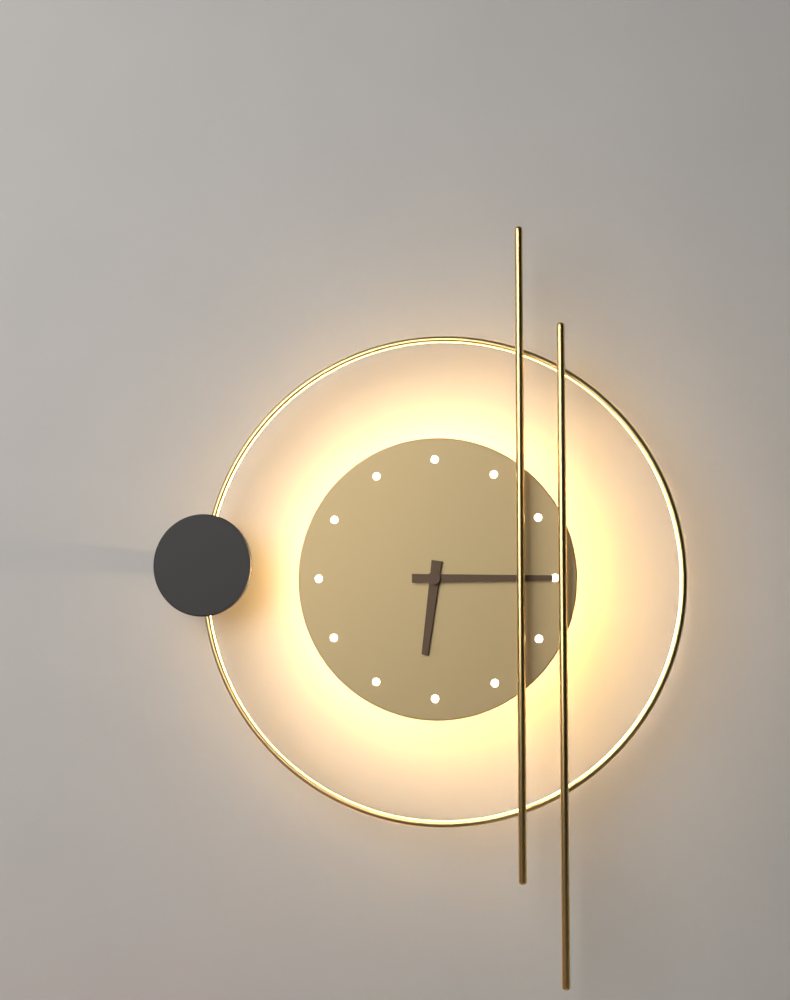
**6:15**
